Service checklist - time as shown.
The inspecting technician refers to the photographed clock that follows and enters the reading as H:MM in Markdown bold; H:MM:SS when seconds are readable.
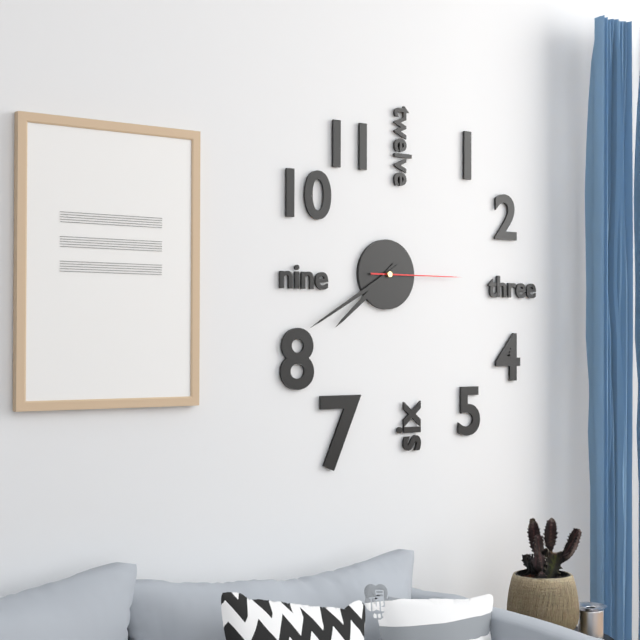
**7:40:15**
